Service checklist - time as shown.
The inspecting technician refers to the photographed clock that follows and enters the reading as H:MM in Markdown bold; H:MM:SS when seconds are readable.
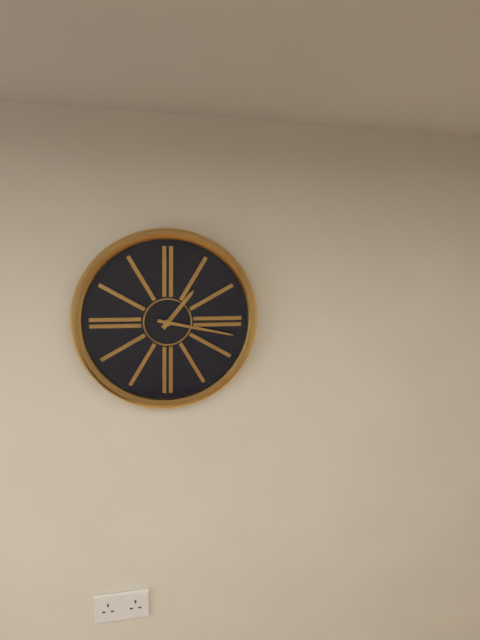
**1:17**
